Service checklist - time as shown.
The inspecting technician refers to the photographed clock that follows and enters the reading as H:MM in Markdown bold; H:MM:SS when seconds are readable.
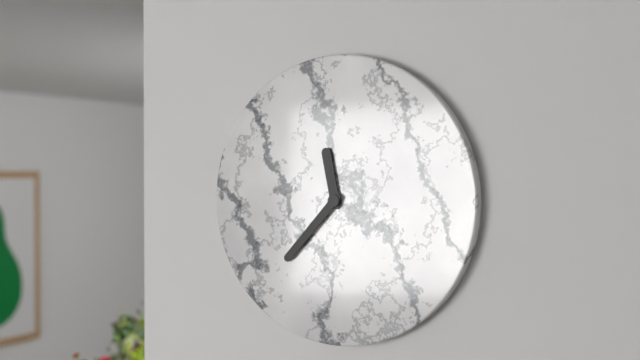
**11:37**
